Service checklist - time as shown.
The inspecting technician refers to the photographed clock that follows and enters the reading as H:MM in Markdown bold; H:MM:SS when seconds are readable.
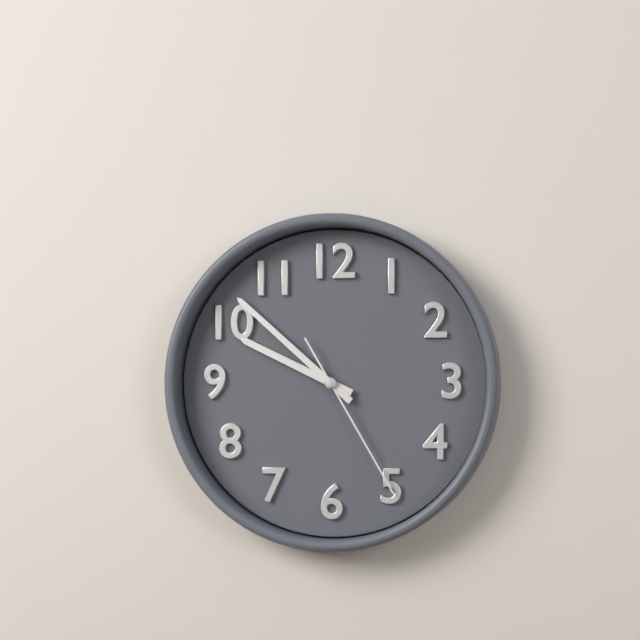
**9:52:25**
